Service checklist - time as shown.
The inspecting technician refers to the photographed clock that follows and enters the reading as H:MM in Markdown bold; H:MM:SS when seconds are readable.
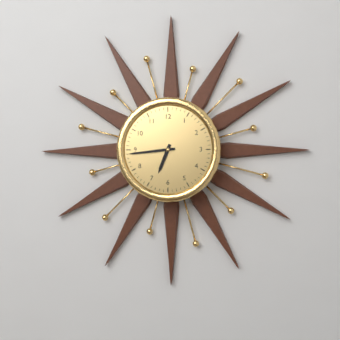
**6:44**
